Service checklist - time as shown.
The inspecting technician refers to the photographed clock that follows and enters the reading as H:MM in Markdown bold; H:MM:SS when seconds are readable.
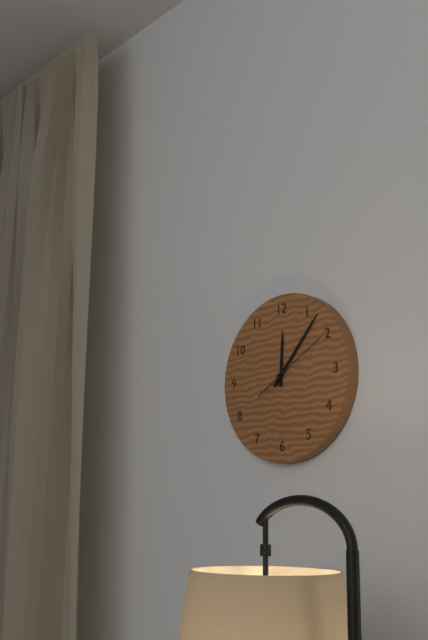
**12:07:10**
